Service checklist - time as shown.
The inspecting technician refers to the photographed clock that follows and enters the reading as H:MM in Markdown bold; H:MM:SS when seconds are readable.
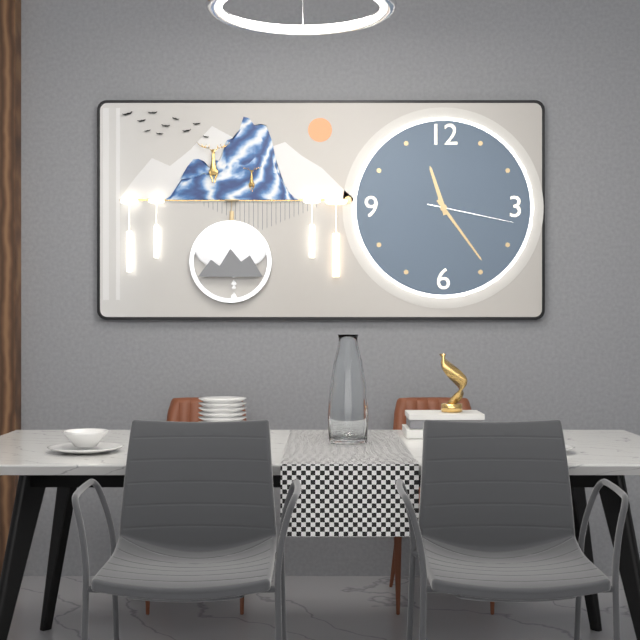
**11:24:17**
